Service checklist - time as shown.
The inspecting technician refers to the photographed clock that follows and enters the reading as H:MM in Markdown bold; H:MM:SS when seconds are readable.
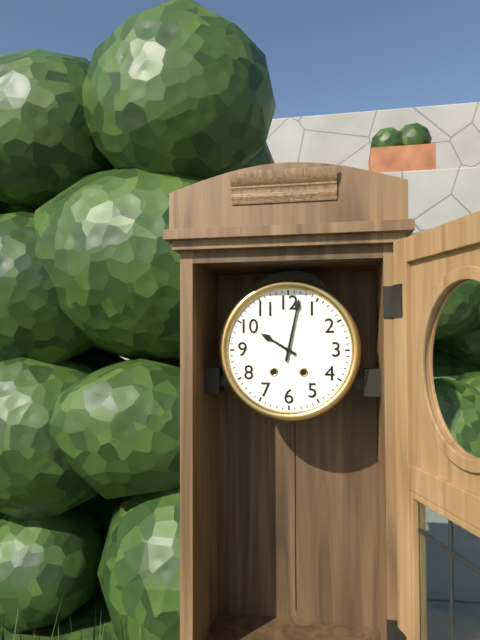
**10:02**
